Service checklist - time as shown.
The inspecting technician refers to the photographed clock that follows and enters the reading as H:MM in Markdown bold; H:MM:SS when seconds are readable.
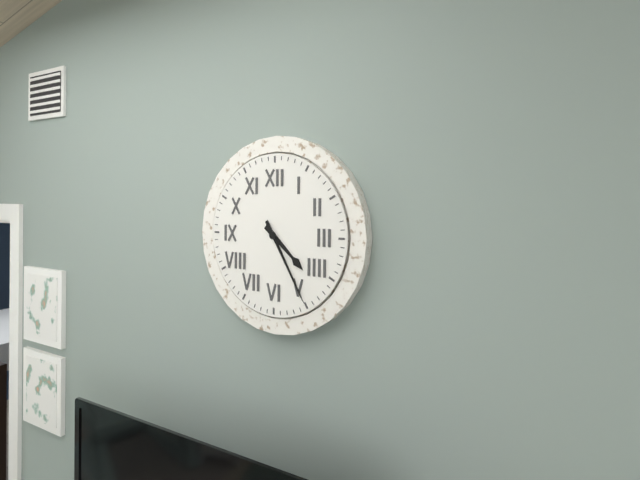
**4:25**
